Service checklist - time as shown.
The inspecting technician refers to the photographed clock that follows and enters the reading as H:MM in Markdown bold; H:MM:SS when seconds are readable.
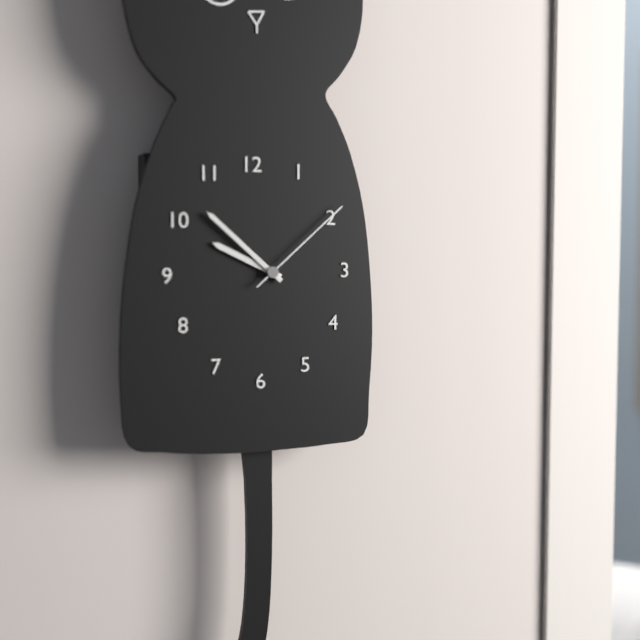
**9:52:08**
